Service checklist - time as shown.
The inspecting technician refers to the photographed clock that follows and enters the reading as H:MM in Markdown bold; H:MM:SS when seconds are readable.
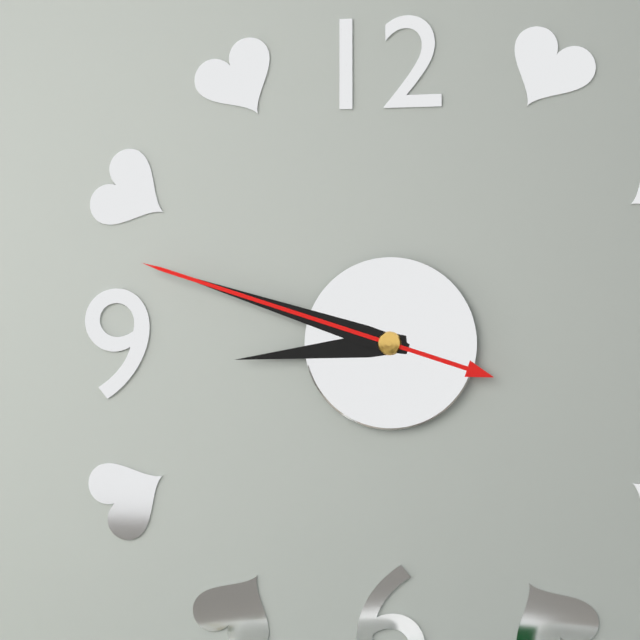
**8:48:48**
